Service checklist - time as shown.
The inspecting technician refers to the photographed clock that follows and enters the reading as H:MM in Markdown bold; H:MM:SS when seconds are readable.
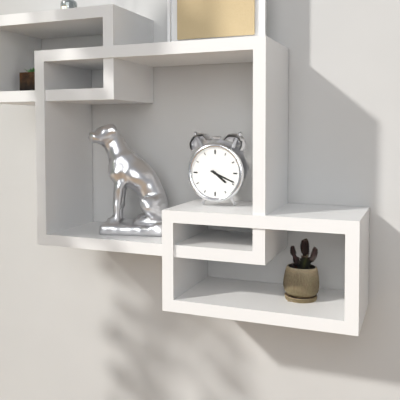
**4:19**
